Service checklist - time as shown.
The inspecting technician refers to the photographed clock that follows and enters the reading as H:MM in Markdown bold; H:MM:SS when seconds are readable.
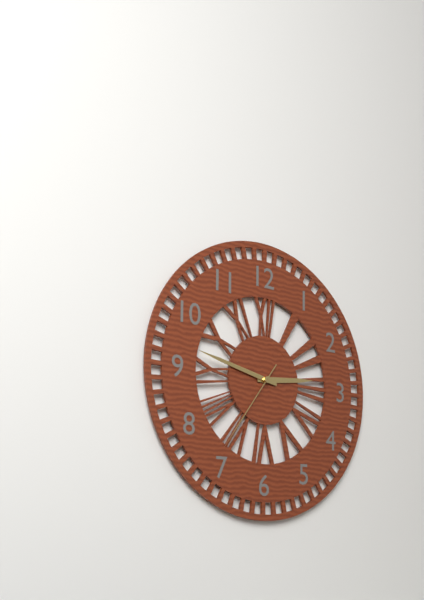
**2:47:36**
